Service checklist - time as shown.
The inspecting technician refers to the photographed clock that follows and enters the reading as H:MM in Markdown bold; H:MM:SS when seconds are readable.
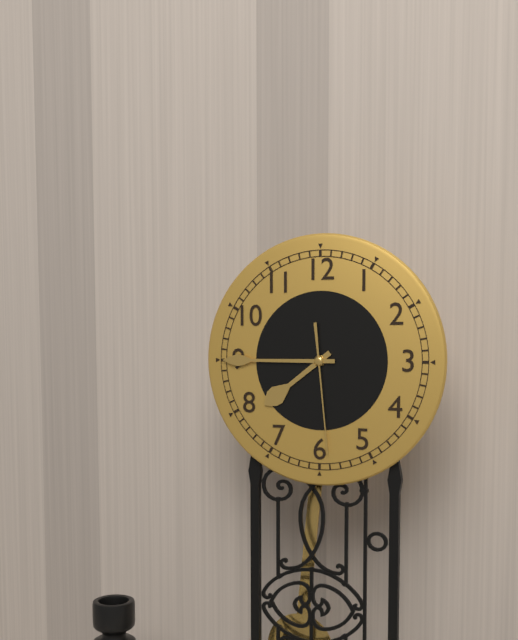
**7:45:29**
